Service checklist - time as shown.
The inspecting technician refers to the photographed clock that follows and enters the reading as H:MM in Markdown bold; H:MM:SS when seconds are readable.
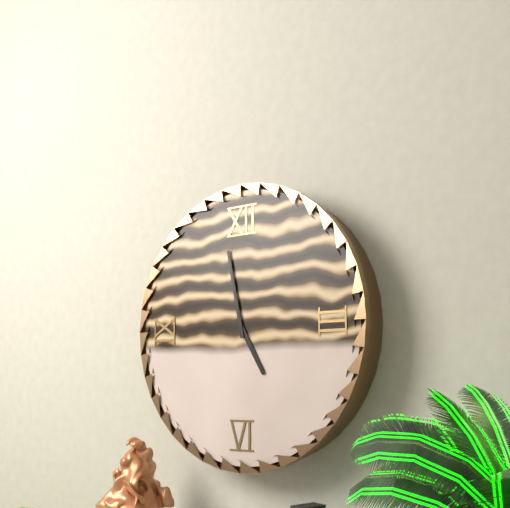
**4:58**
